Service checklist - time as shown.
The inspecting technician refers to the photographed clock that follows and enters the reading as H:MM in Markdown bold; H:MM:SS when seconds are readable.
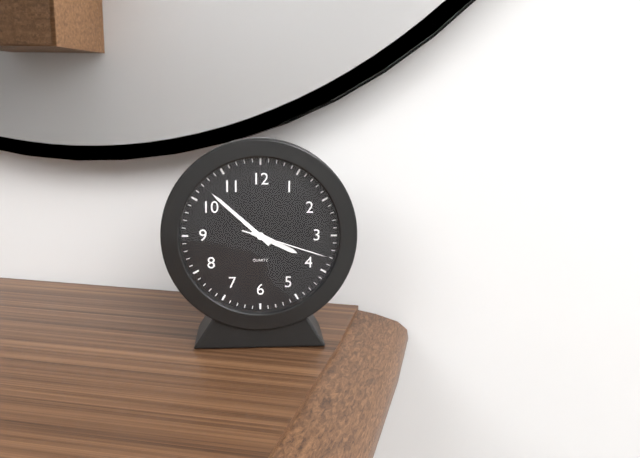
**3:52:18**
